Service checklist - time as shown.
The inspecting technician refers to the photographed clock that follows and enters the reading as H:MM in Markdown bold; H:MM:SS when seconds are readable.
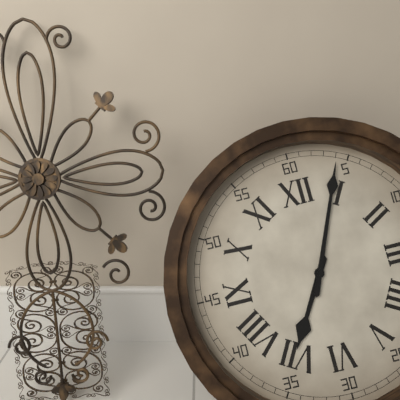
**7:04**
